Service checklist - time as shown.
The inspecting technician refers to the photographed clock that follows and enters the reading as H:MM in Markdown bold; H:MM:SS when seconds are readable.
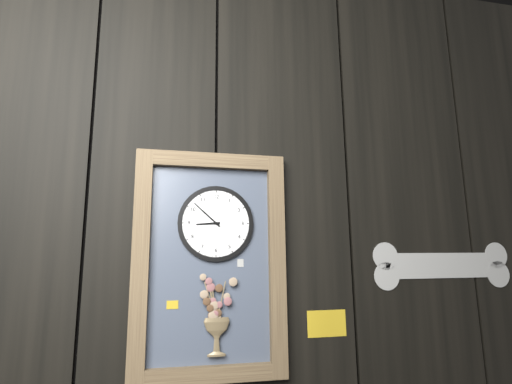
**8:52**
